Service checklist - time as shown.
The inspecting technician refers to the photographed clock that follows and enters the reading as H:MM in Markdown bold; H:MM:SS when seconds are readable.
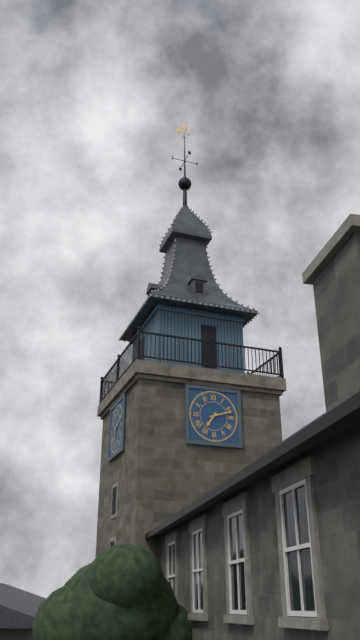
**7:12**
